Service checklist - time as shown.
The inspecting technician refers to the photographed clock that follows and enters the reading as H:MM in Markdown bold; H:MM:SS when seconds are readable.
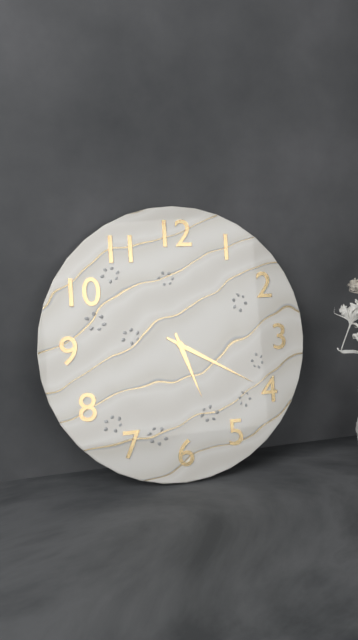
**5:20**
